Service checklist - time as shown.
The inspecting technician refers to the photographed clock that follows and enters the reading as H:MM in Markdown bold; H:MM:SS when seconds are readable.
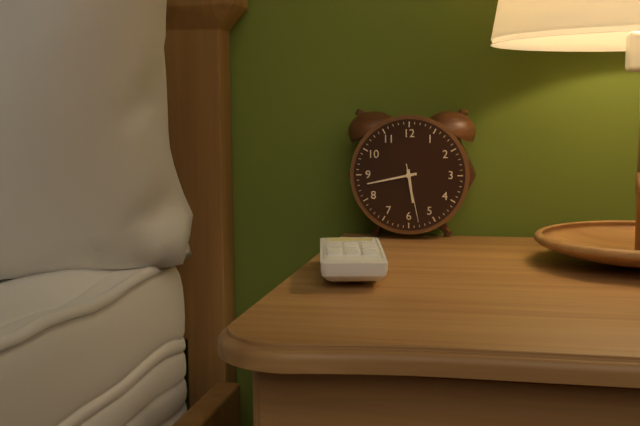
**5:43:28**
